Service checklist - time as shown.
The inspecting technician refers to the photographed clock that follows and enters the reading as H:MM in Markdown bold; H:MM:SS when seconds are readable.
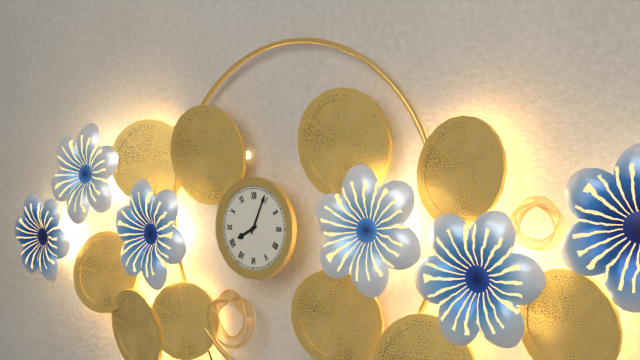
**8:04**
